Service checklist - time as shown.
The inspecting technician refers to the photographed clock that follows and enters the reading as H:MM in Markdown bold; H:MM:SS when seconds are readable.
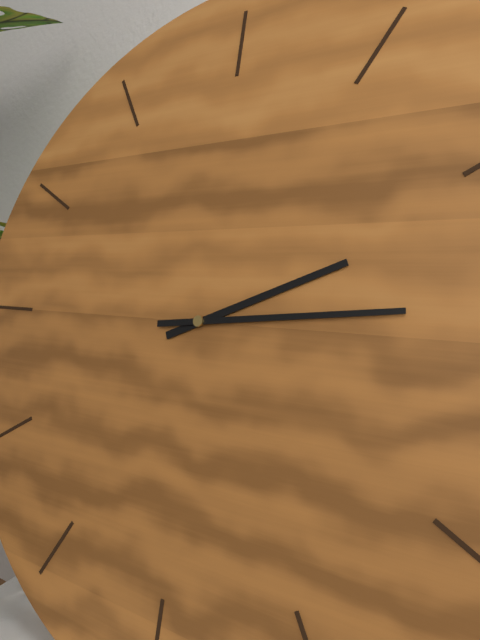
**2:14**
